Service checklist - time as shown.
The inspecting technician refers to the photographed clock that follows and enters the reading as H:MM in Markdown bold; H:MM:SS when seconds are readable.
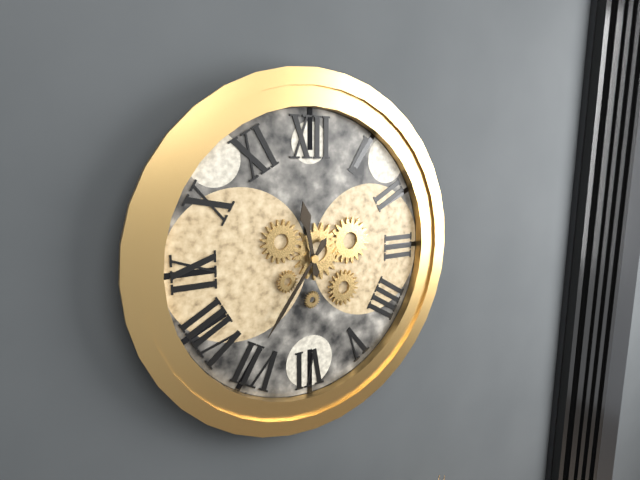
**11:36**
